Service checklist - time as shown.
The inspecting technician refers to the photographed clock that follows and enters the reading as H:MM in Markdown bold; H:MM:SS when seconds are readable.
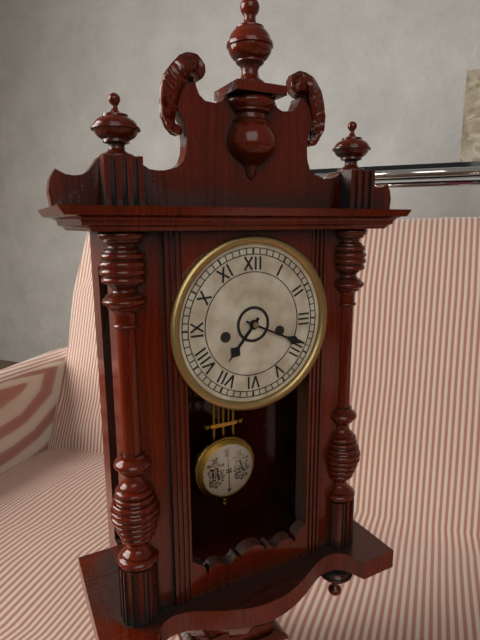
**7:19**
